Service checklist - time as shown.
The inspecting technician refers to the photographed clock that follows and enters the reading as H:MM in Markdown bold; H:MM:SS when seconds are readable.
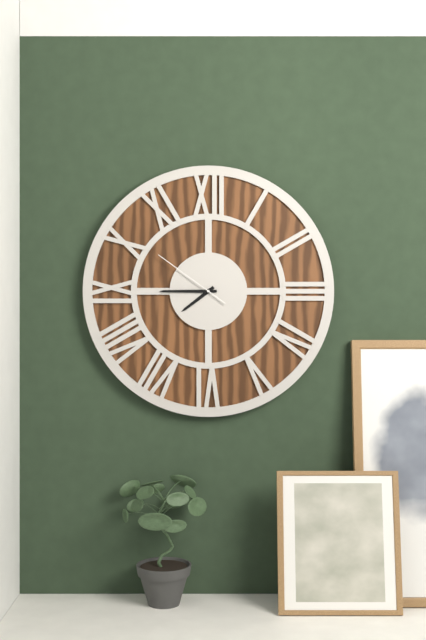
**7:45:51**
